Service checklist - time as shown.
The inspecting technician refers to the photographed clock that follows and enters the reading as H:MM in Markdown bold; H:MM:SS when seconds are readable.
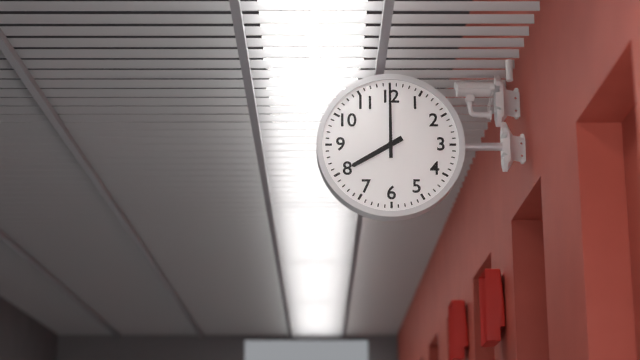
**8:00**
